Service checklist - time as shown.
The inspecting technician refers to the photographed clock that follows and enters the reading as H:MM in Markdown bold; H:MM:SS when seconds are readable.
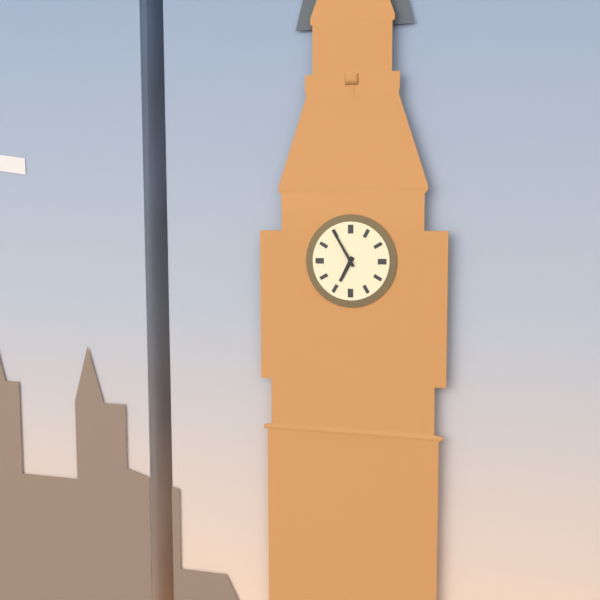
**6:55**
